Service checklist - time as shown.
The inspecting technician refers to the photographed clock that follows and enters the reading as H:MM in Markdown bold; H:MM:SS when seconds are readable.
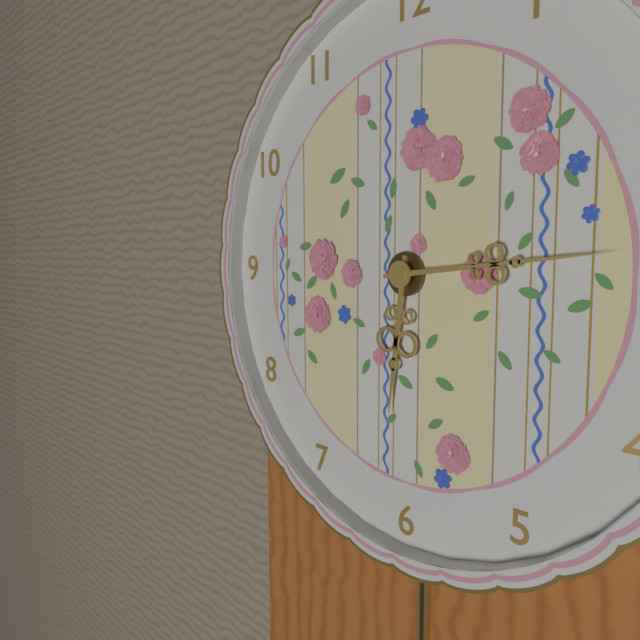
**6:14**
